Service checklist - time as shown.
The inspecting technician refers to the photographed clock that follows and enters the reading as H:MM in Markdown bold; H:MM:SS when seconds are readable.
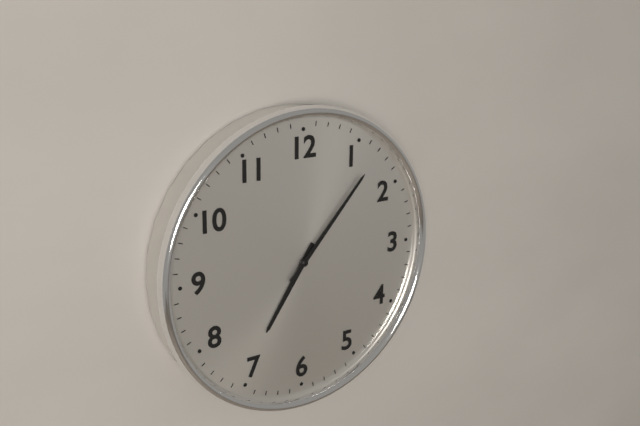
**7:07**
